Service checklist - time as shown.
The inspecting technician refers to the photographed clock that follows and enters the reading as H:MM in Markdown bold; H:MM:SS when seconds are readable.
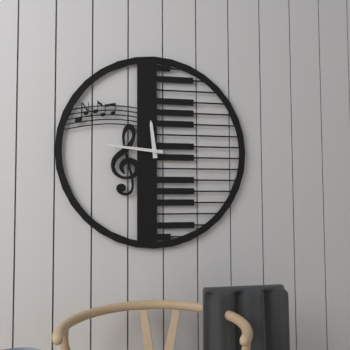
**11:46**
